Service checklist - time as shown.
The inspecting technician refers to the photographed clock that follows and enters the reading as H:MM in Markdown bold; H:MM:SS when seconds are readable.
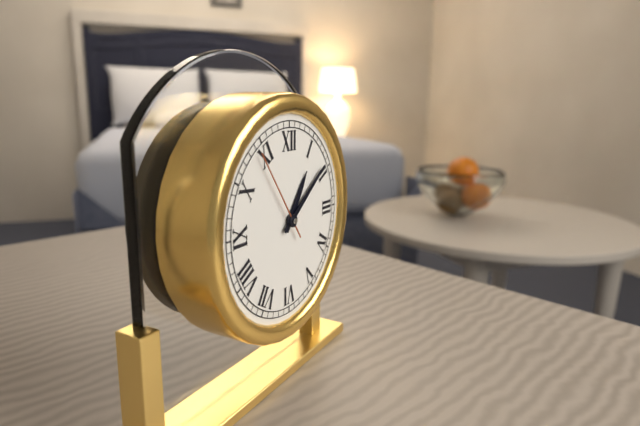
**1:09:54**
